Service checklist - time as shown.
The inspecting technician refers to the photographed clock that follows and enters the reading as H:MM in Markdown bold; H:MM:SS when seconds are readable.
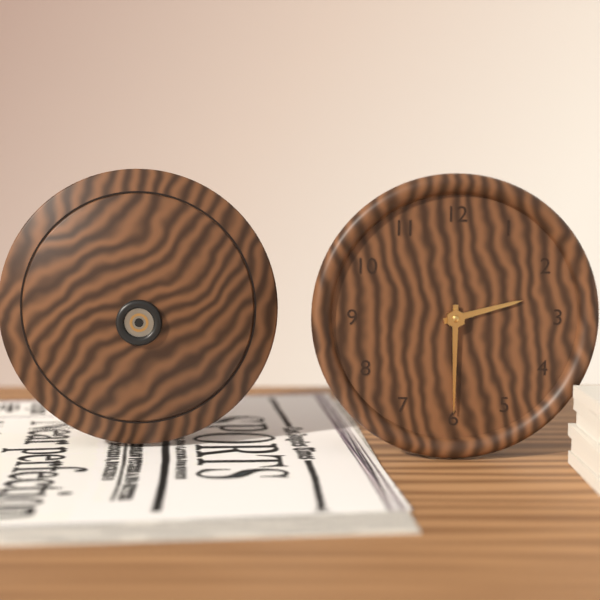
**2:30**
